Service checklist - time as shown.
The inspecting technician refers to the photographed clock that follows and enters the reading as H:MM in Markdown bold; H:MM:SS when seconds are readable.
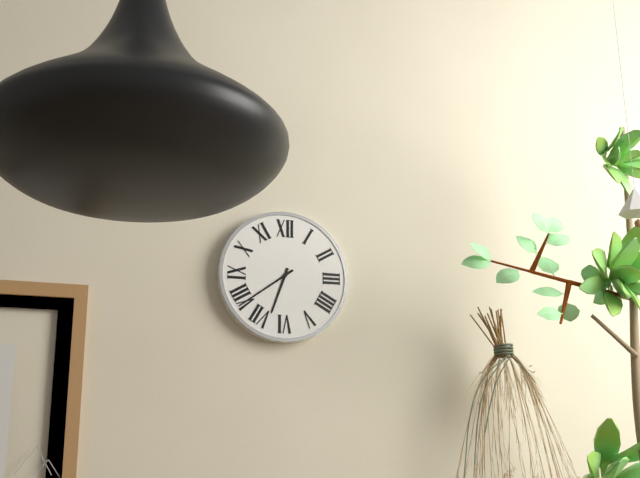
**6:39**
